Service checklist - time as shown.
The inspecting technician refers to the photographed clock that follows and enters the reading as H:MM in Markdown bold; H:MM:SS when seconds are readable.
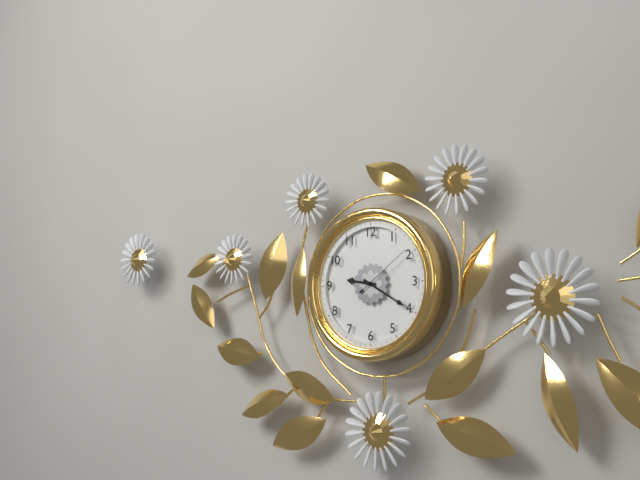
**9:20:09**
